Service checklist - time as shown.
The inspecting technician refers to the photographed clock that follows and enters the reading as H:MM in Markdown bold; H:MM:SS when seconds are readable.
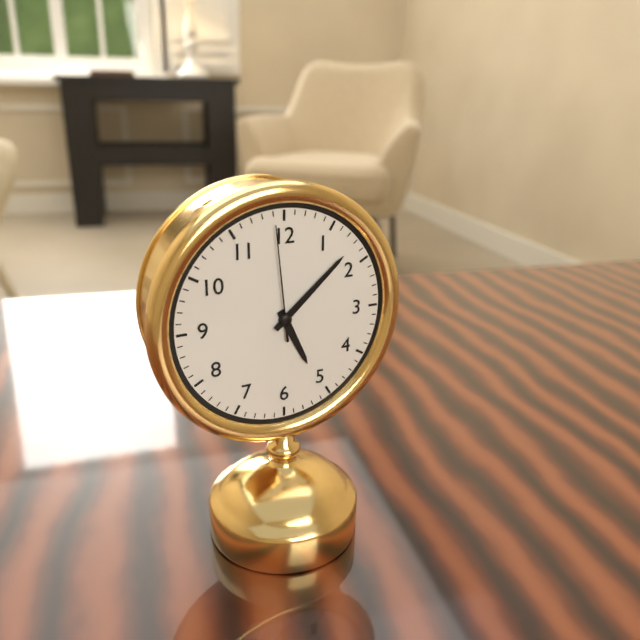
**5:08:59**
